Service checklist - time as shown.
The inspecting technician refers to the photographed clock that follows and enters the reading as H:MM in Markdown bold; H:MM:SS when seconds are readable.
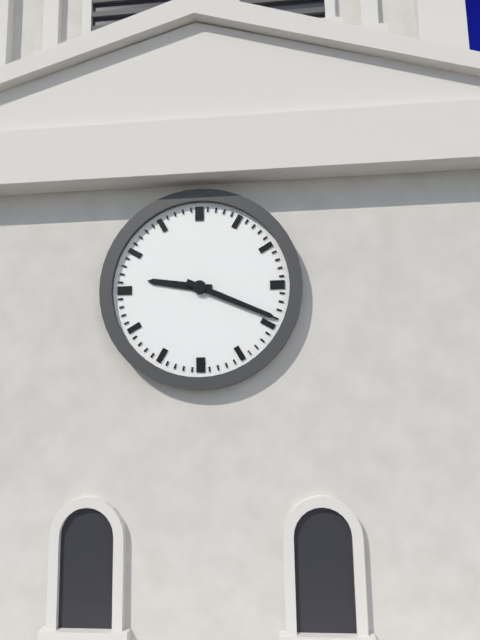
**9:19**
